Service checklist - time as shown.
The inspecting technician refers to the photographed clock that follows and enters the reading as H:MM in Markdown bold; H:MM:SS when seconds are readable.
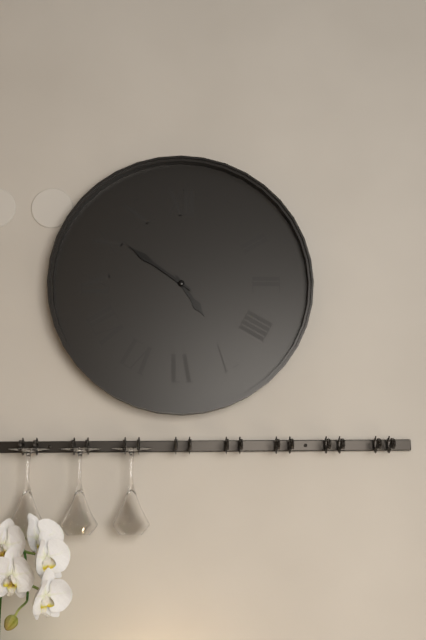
**4:51**
